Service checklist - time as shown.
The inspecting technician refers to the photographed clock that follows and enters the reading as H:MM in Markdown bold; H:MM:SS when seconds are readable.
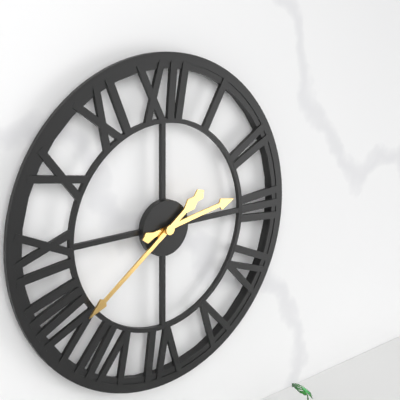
**2:39**
